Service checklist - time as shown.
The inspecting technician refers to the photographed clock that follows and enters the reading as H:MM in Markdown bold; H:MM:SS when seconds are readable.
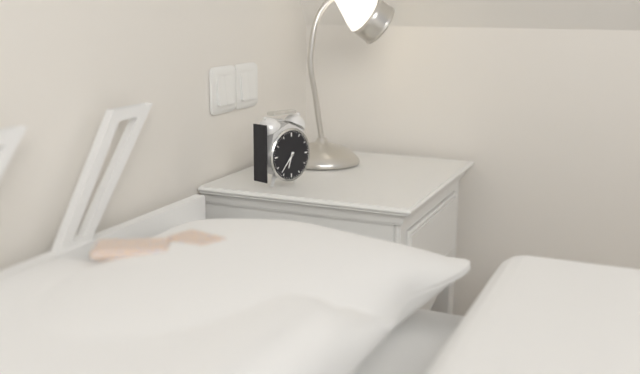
**6:37**
